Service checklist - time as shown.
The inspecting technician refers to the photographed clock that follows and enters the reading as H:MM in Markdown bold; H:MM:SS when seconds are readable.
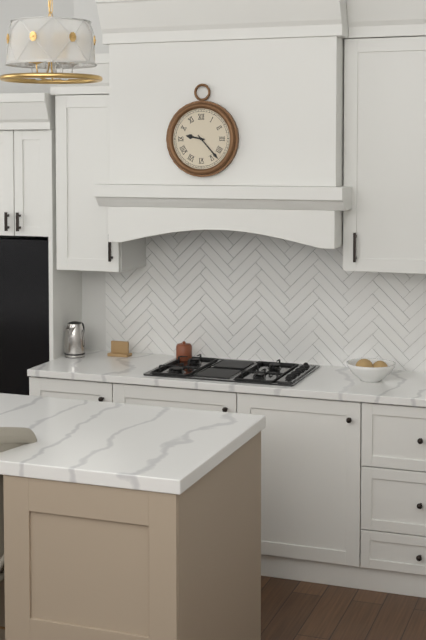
**9:23**
